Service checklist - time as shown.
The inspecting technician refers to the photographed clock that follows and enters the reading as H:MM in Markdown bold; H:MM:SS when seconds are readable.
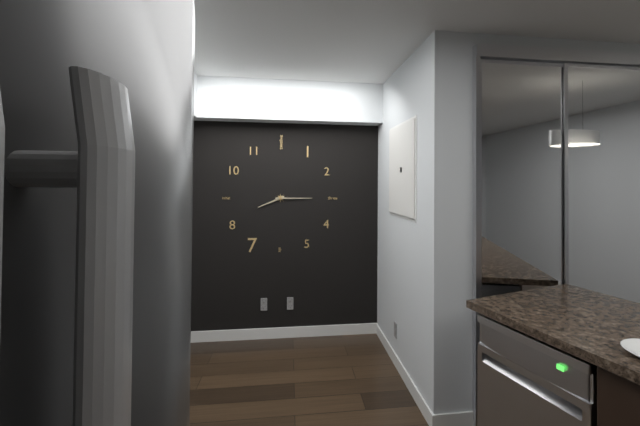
**8:15**
